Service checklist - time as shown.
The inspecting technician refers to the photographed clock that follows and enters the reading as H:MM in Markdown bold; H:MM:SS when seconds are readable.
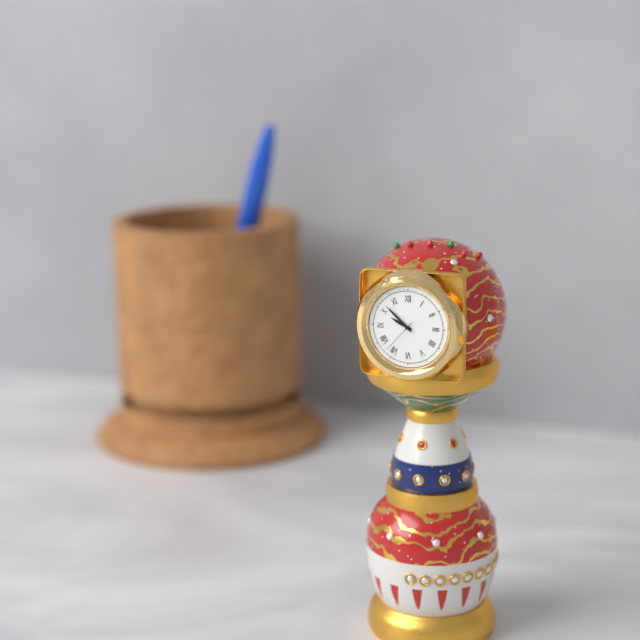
**9:52**
